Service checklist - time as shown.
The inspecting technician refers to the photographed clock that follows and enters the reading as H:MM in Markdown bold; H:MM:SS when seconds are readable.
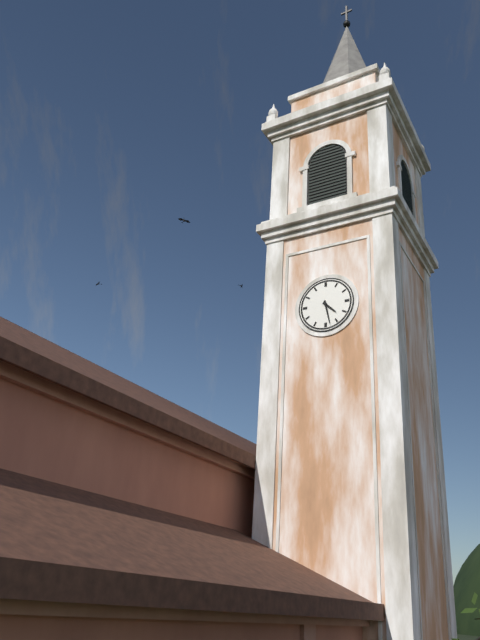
**4:28**
